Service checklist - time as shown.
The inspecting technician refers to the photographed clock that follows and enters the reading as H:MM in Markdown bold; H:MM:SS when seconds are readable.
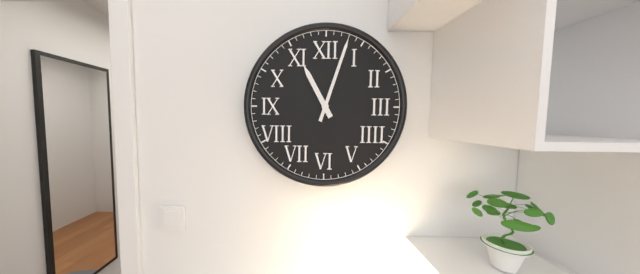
**11:03**
